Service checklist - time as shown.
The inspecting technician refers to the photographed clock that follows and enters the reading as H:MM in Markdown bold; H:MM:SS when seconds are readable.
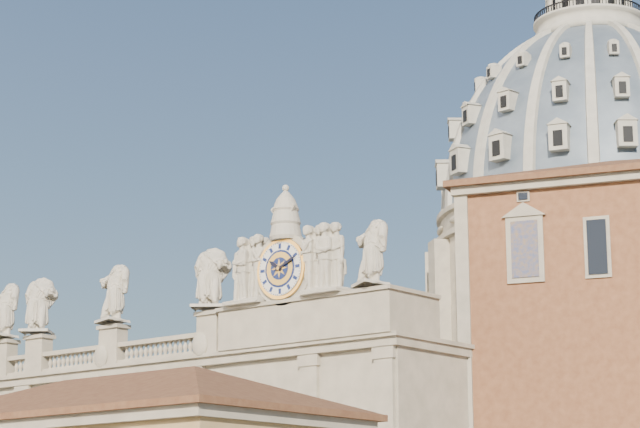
**10:11**
